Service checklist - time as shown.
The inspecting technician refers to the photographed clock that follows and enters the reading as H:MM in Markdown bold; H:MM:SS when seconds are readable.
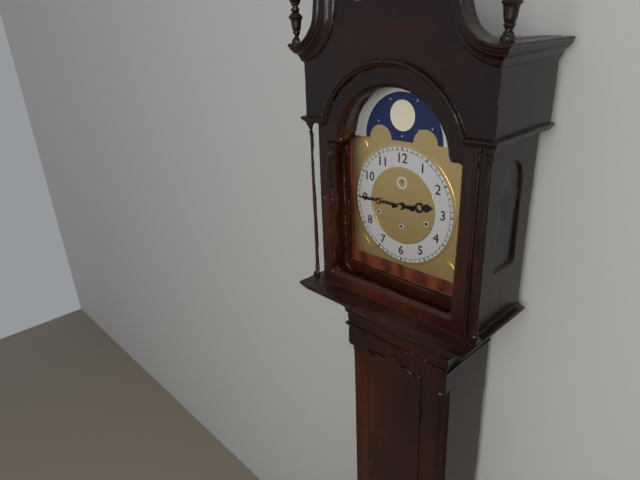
**2:45**
